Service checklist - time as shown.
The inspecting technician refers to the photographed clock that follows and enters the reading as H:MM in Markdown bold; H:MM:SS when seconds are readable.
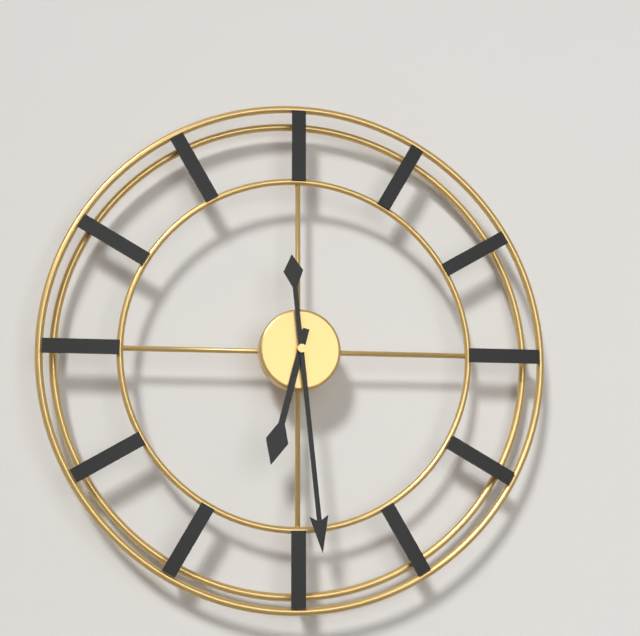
**6:29**
